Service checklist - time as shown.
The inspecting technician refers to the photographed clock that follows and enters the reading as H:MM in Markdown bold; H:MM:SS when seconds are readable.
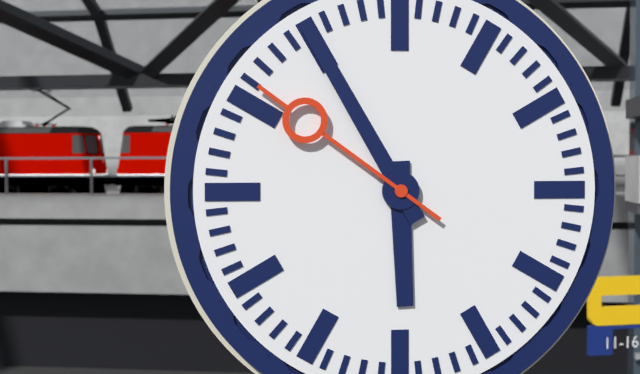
**5:55:51**
